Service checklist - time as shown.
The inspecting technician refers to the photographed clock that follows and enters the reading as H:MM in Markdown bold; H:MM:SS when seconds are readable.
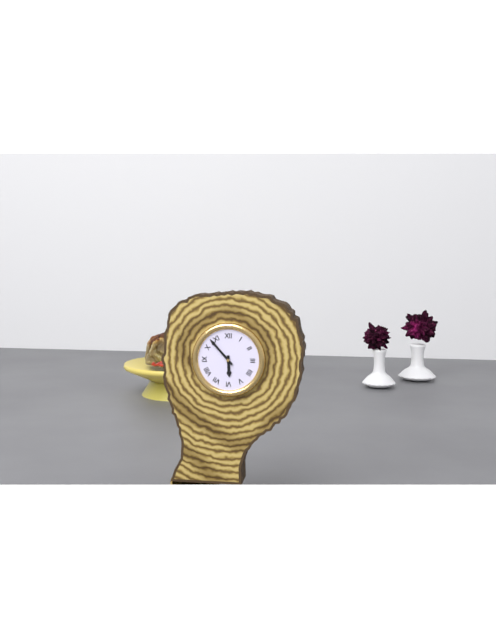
**5:53**
